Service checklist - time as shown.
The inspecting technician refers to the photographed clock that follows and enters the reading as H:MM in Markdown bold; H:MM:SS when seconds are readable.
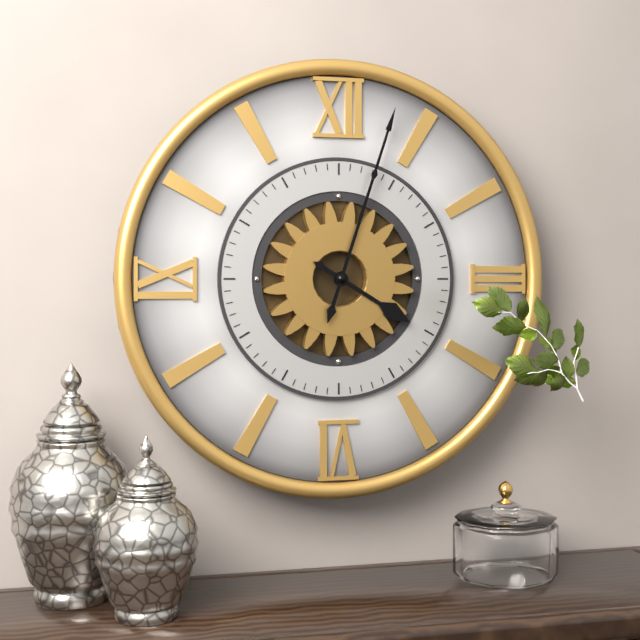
**4:03**
